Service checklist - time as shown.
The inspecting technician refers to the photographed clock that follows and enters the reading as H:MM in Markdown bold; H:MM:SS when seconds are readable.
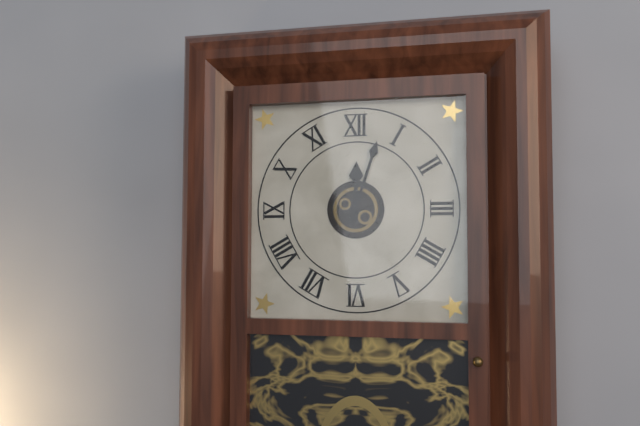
**12:03**
